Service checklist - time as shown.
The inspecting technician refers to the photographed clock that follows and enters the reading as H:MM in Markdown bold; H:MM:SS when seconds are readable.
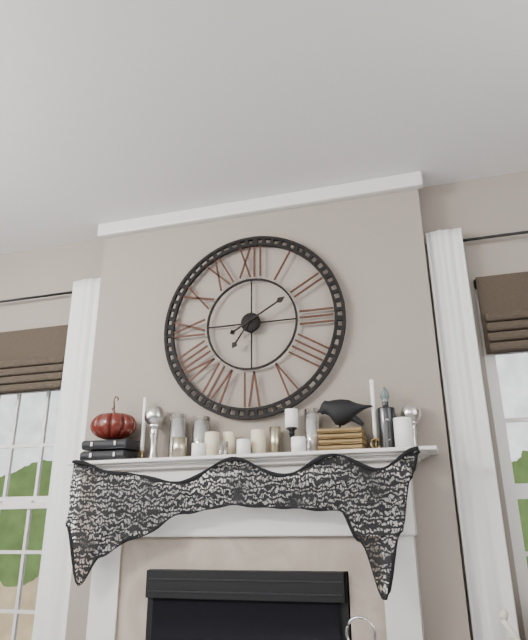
**7:10**
